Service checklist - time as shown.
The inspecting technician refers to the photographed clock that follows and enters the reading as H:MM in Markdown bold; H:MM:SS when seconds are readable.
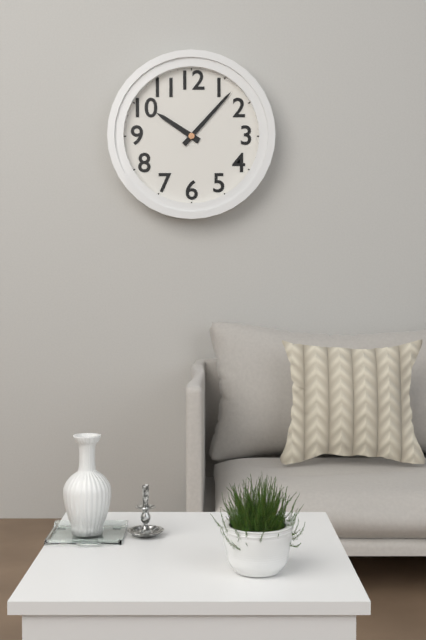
**10:07**
